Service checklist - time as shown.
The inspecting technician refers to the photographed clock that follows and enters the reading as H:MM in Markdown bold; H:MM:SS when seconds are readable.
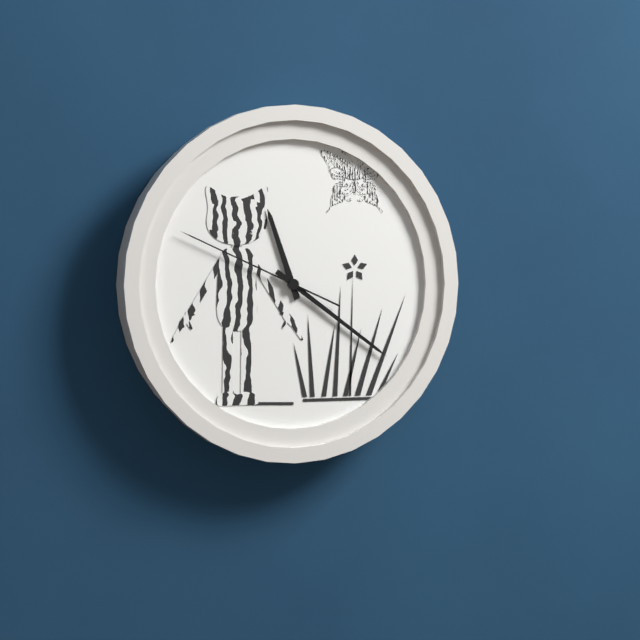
**11:21:49**
